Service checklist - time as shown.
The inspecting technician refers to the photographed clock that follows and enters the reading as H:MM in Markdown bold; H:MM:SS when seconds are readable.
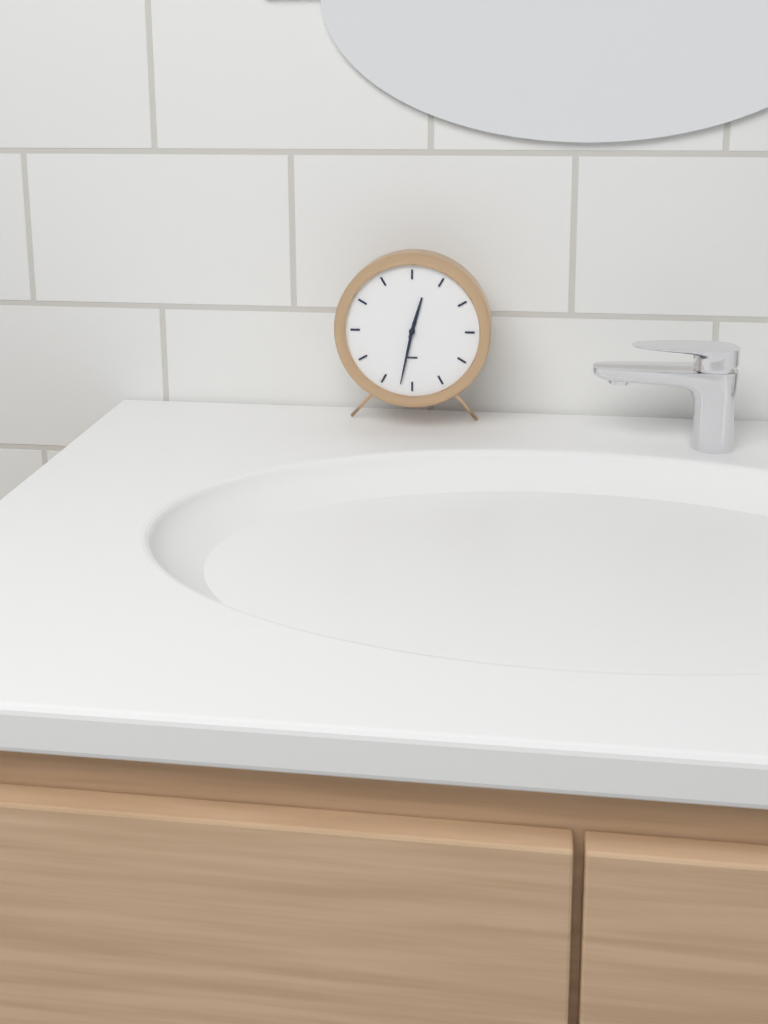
**12:32**
